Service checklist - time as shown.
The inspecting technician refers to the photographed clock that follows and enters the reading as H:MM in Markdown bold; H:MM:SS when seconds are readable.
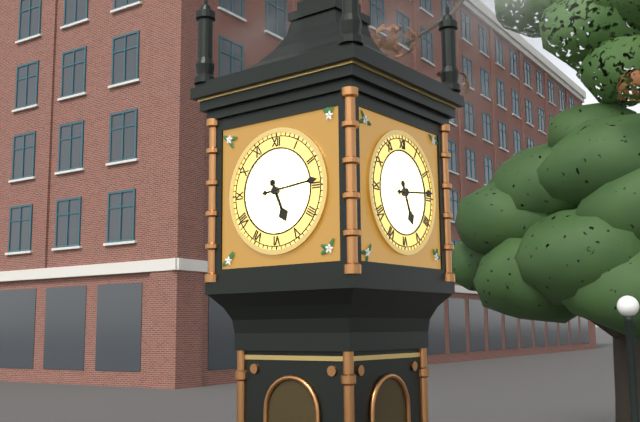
**5:14**
